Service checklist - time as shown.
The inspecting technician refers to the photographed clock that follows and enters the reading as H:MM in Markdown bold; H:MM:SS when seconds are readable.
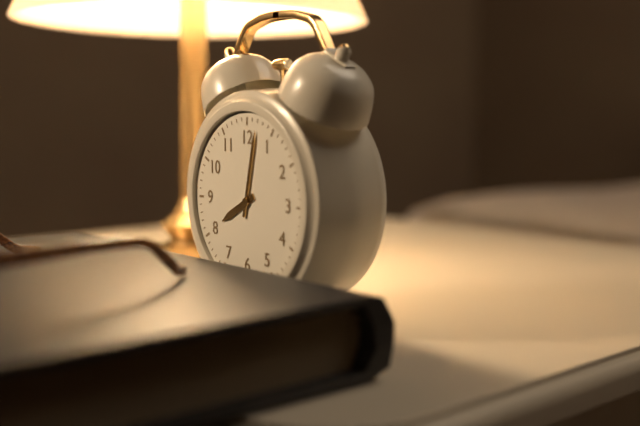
**8:02**
